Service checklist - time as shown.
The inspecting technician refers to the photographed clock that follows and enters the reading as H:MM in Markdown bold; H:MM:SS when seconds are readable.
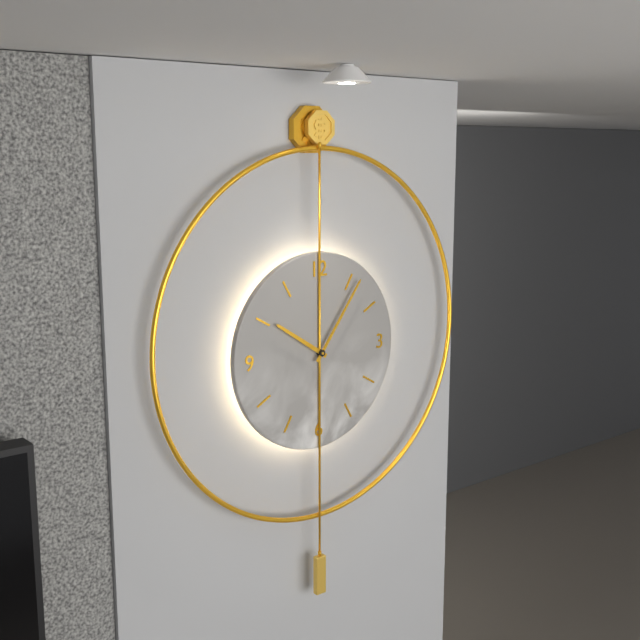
**10:06**
